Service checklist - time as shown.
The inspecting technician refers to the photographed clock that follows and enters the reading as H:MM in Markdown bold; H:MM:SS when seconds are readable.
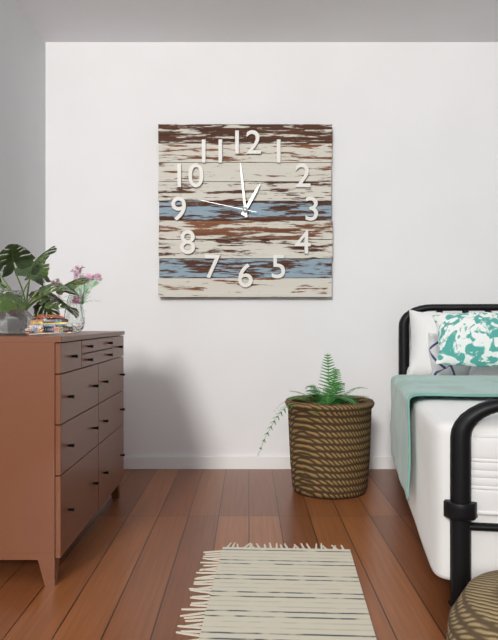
**12:59:47**
